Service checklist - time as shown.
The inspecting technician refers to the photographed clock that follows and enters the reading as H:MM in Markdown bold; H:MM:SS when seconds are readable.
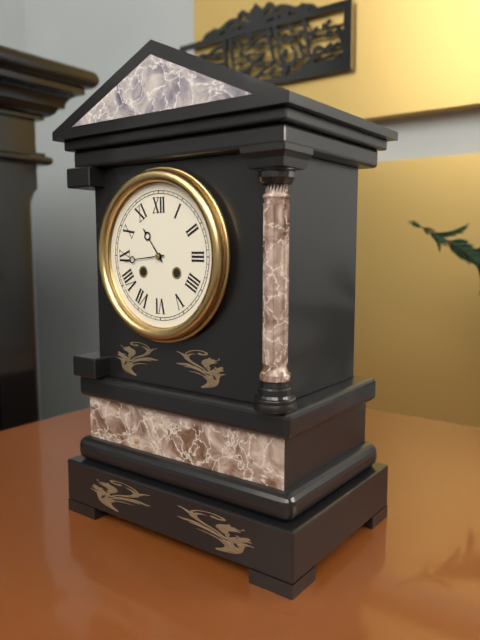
**10:44**
